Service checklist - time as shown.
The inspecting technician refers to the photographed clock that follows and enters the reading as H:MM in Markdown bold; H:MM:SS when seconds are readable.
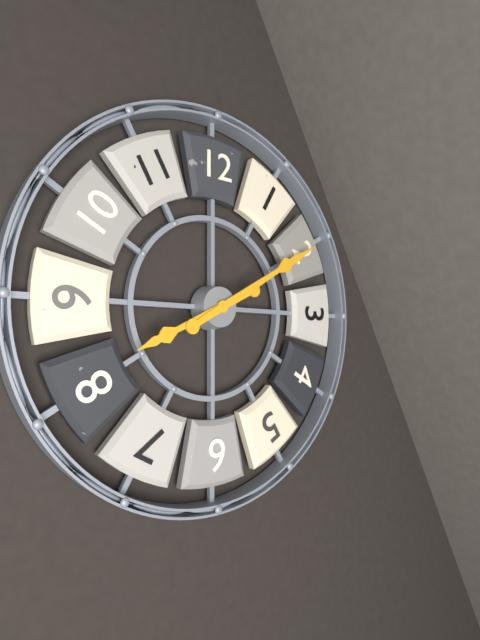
**8:10**
